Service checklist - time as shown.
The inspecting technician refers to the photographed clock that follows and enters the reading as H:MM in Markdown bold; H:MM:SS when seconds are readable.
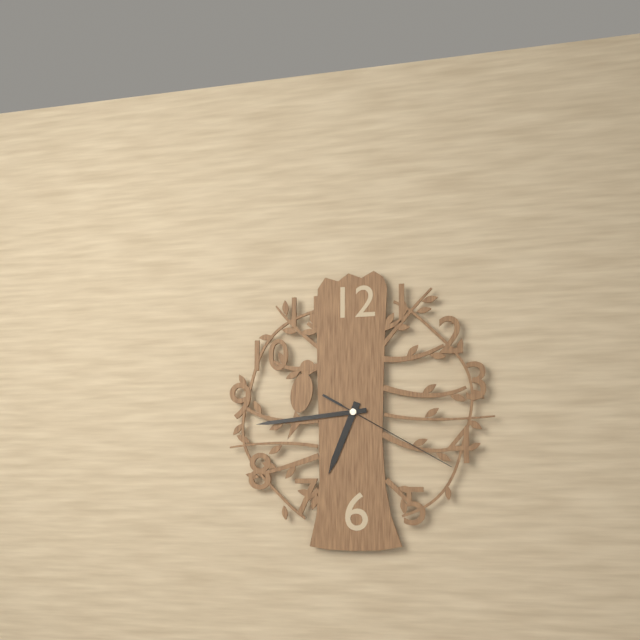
**6:44:20**
